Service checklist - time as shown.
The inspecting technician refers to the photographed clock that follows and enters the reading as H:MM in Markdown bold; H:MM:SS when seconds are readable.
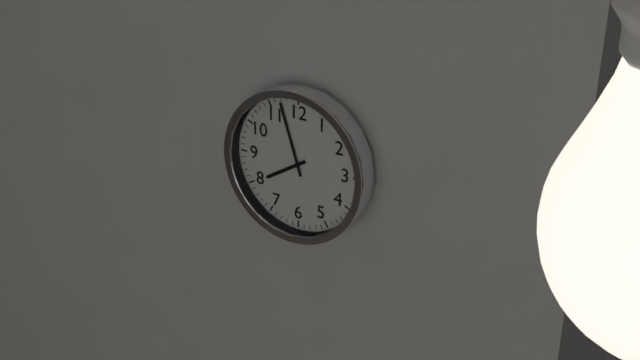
**7:57**
